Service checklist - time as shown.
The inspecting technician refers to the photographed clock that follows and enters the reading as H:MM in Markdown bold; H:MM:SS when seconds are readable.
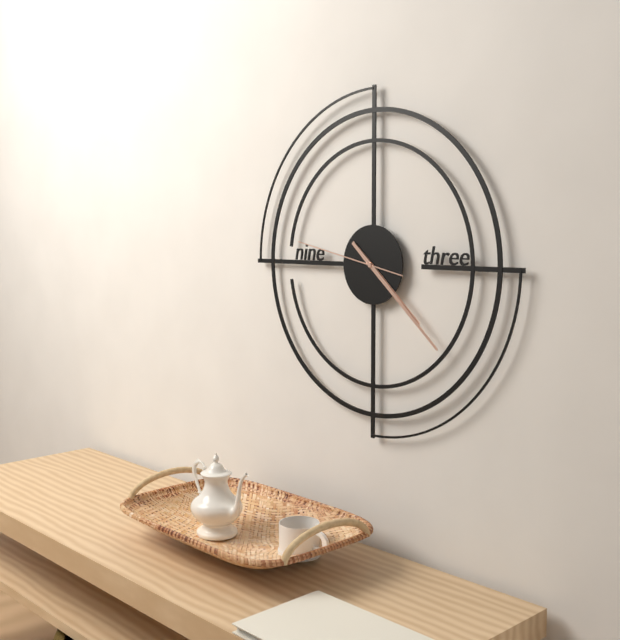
**4:22:47**
